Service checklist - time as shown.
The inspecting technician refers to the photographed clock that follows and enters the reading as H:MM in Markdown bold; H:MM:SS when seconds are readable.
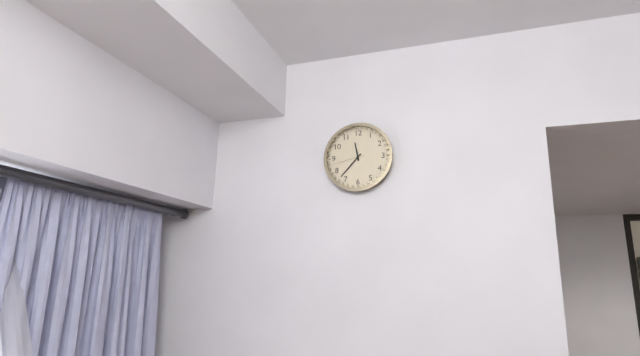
**11:37**
